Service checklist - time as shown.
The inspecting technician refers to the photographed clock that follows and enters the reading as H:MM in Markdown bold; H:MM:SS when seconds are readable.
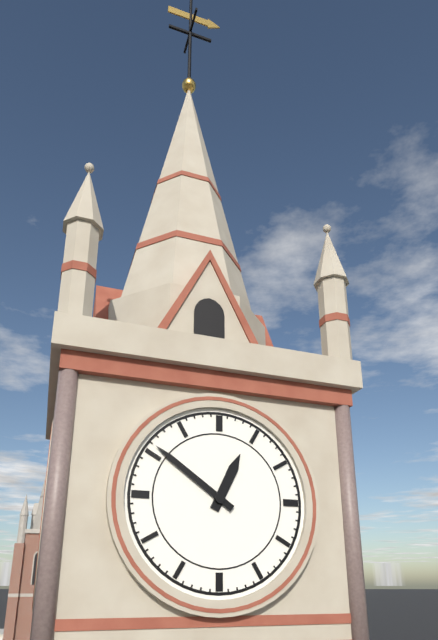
**12:51**
